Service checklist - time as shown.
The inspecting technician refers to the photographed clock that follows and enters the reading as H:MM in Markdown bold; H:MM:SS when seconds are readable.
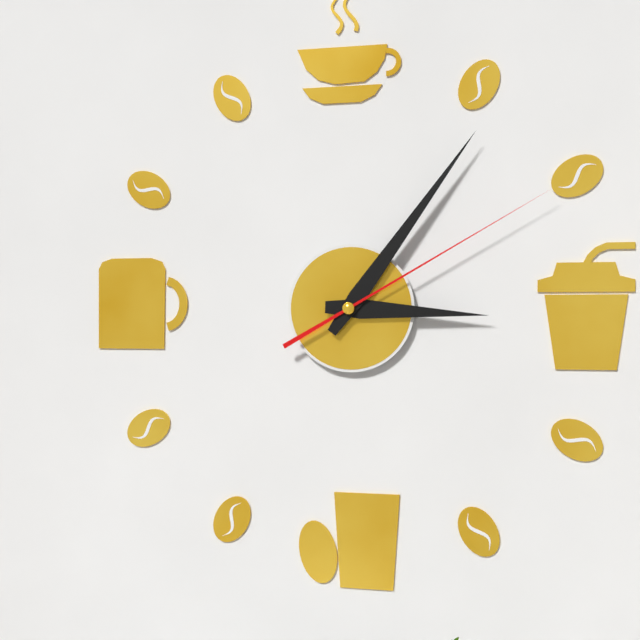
**3:06:10**
